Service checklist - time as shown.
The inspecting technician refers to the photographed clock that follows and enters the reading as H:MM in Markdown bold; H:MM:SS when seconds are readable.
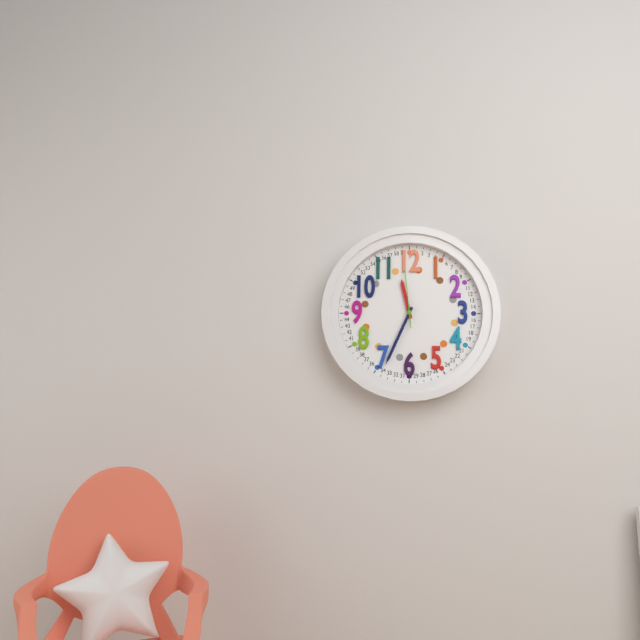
**11:34:59**
